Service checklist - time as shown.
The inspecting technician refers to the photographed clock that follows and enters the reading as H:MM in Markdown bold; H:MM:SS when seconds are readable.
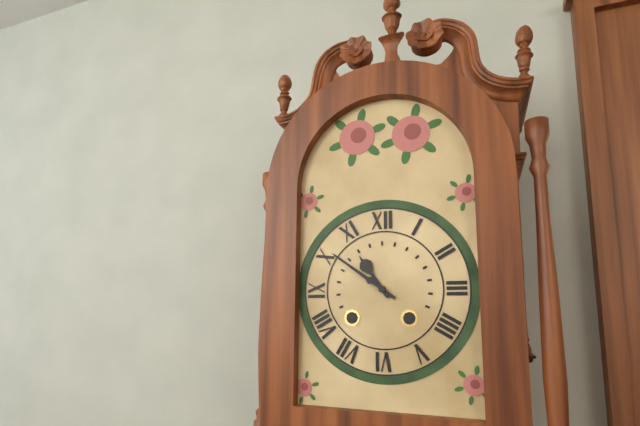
**10:51**
